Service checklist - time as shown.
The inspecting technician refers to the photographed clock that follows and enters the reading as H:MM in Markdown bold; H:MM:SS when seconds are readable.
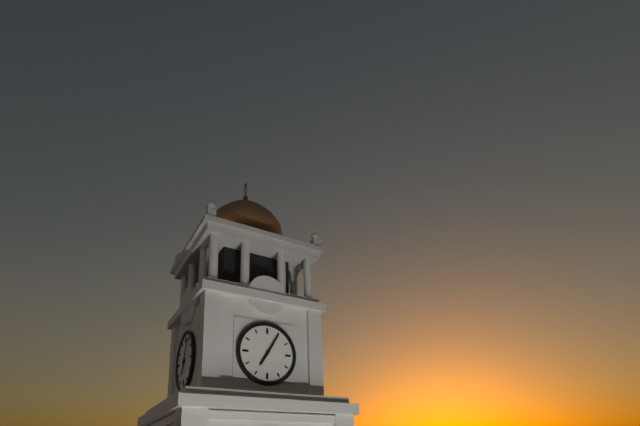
**7:05**
